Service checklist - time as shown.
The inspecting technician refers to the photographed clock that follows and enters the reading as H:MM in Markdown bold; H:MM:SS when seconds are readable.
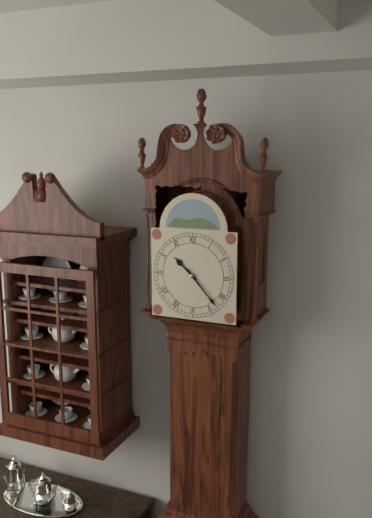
**10:23**
